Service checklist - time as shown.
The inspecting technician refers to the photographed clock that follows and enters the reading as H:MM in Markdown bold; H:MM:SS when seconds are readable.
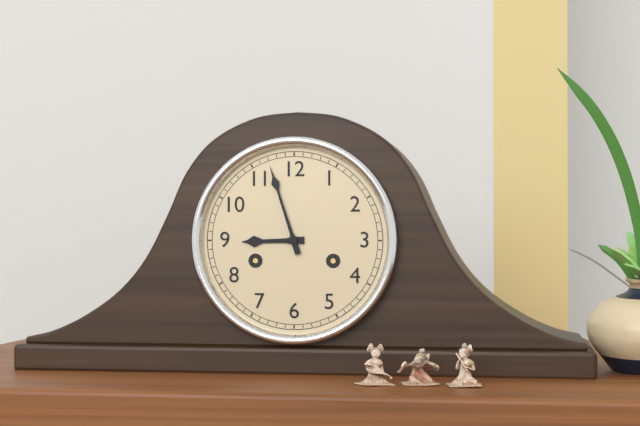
**8:57**
